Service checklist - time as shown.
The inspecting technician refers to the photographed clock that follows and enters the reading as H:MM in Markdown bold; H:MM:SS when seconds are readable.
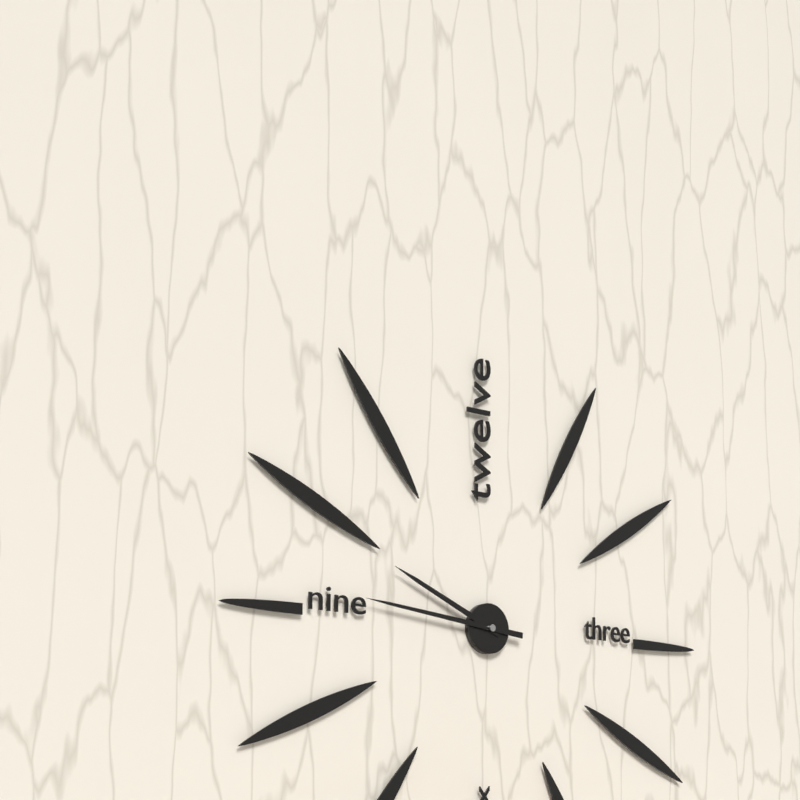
**9:46**
